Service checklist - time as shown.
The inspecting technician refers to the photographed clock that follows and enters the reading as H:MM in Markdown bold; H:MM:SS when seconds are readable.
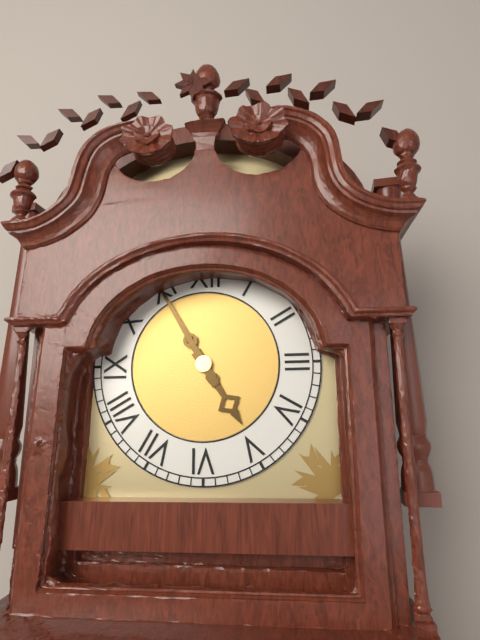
**4:55**
